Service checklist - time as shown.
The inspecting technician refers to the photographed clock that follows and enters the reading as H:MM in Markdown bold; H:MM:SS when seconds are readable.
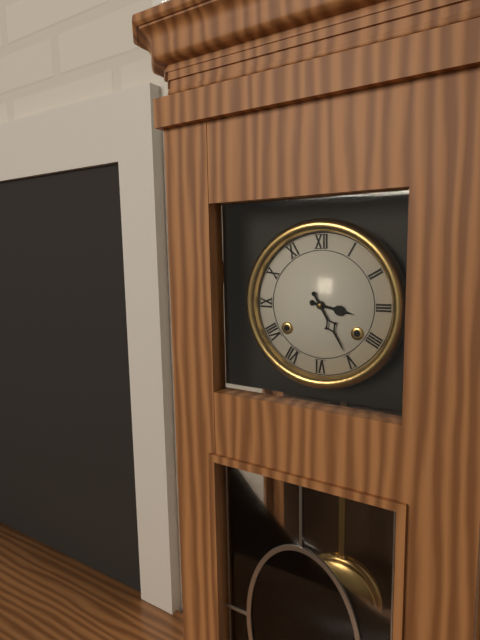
**3:25**
